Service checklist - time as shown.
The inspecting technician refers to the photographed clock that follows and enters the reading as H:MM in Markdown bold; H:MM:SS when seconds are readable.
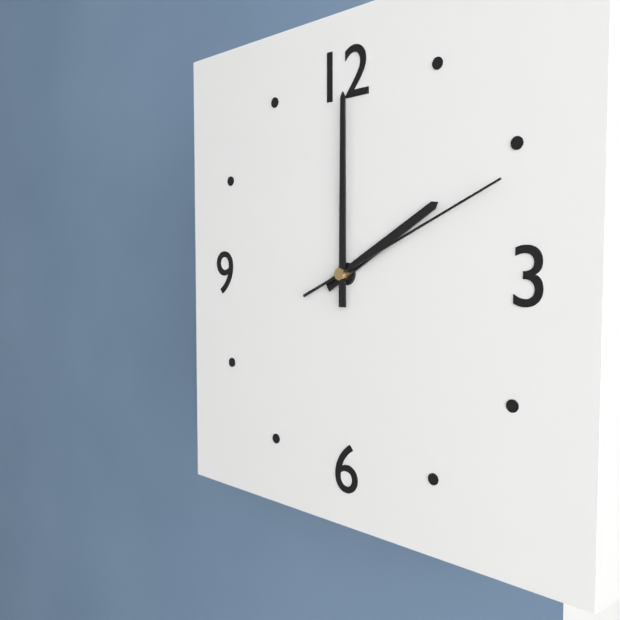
**2:00:11**
